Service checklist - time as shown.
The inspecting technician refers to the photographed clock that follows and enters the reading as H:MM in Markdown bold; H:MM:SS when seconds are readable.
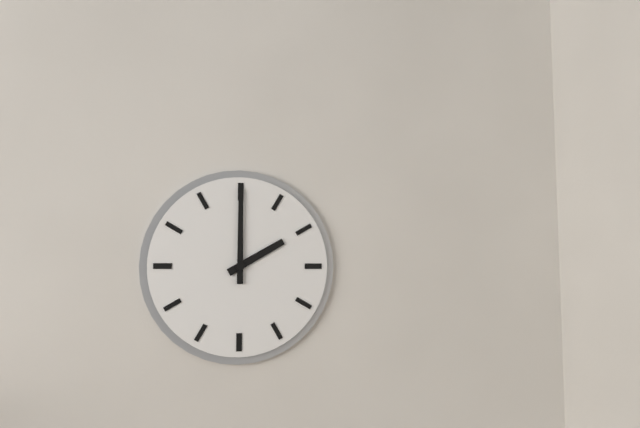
**2:00**
